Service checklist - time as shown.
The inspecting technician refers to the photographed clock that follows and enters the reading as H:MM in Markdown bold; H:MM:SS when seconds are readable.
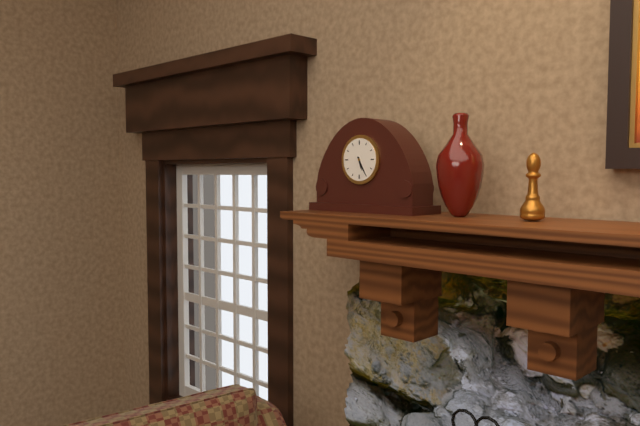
**5:25**
